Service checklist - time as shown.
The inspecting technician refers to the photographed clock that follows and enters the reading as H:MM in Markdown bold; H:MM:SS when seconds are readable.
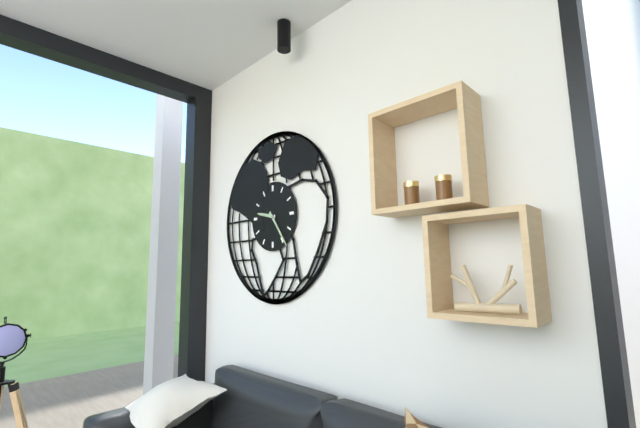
**9:24**
